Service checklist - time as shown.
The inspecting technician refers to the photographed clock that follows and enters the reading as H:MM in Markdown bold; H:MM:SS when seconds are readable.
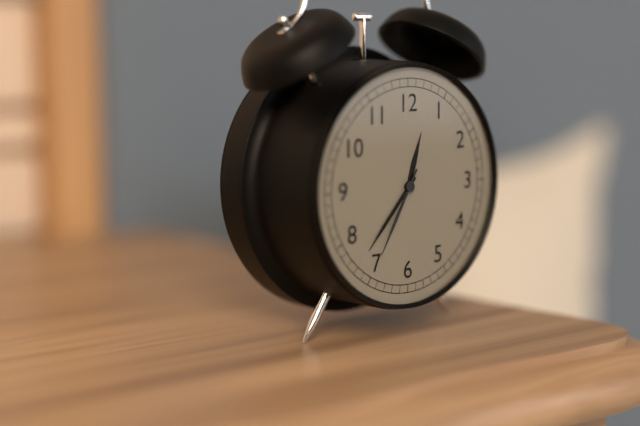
**12:37:35**
